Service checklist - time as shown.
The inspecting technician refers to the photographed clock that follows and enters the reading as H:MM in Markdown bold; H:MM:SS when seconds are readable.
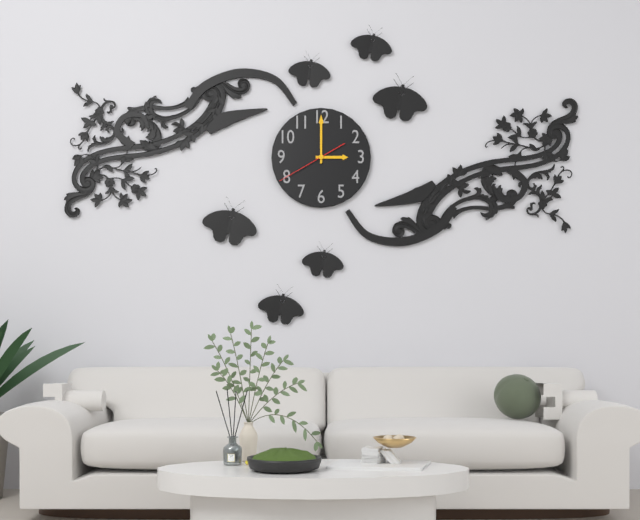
**3:00:40**
